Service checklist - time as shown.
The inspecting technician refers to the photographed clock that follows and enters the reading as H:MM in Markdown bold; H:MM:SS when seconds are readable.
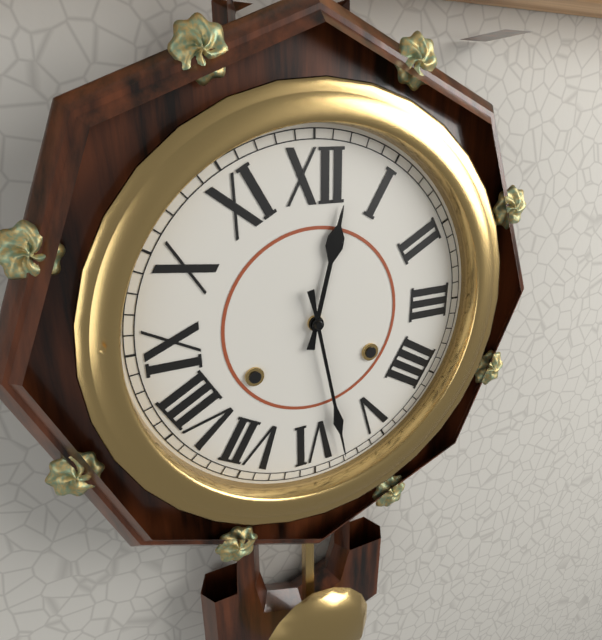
**12:28**
